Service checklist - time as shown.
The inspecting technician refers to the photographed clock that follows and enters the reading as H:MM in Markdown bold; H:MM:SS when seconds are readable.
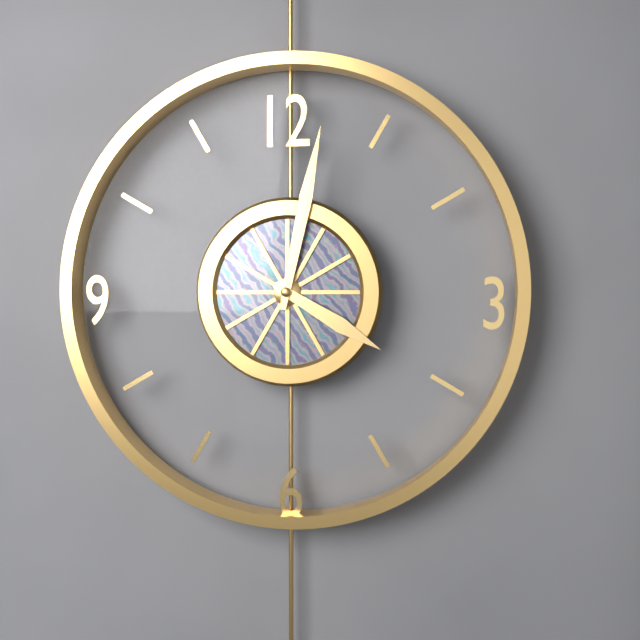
**4:02**
